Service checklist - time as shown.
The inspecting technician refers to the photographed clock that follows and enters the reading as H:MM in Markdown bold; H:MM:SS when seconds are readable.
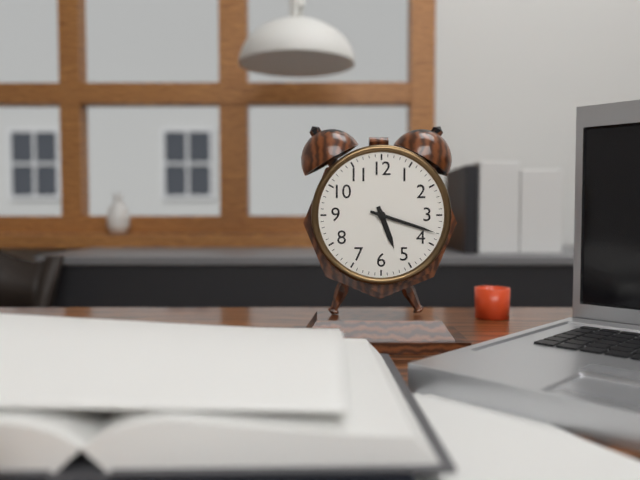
**5:18**
